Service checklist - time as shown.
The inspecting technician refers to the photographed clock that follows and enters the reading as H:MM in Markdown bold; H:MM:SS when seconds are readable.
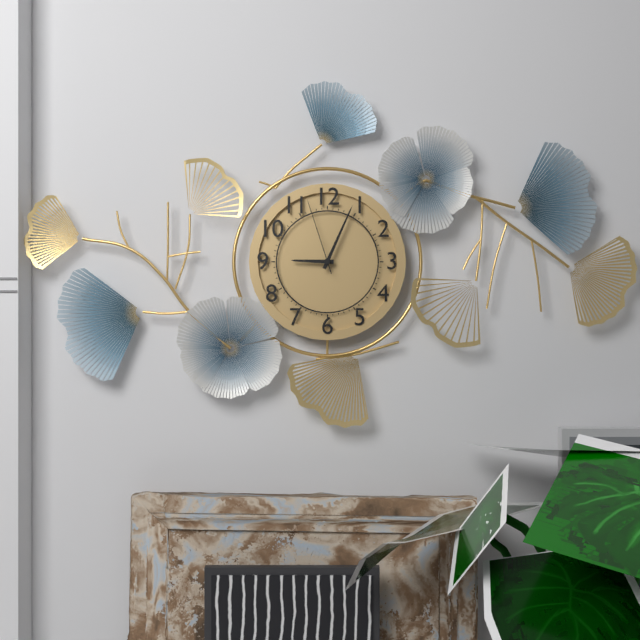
**9:04:57**
